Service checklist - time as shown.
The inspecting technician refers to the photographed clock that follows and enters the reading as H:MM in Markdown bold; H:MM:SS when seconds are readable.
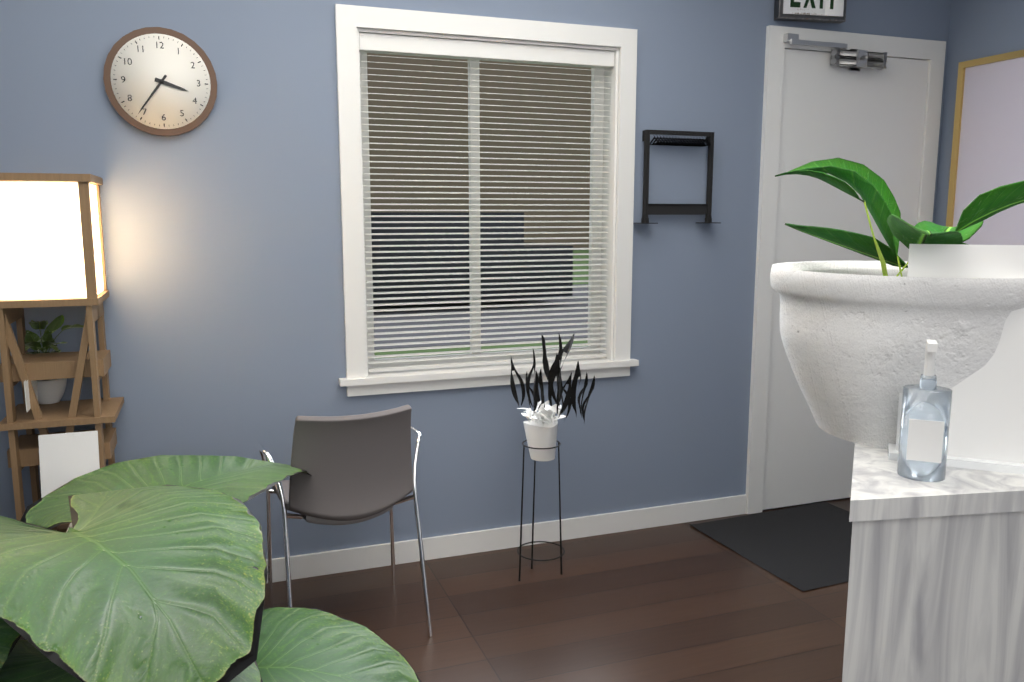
**3:36**
